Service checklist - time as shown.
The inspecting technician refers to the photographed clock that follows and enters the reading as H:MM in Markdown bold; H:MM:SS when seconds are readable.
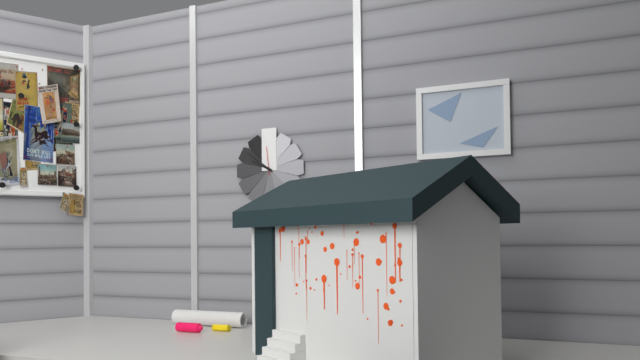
**9:51**
